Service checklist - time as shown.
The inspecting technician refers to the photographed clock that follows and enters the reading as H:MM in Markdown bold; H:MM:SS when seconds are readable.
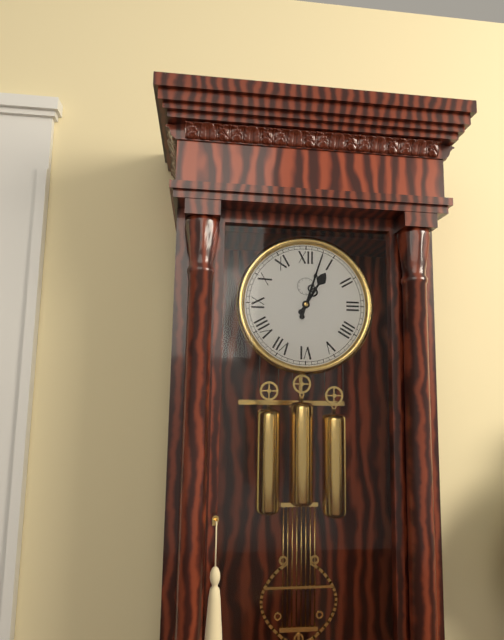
**1:03**
